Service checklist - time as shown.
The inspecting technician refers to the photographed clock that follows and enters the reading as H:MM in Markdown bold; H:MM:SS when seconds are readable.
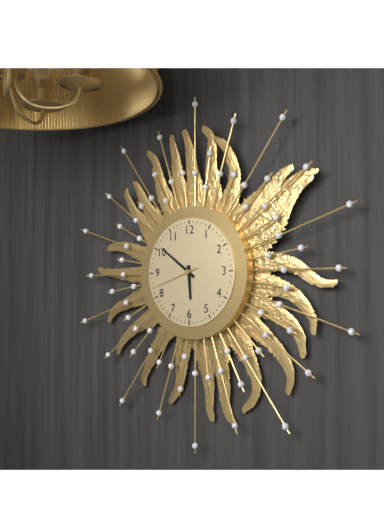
**5:51**
